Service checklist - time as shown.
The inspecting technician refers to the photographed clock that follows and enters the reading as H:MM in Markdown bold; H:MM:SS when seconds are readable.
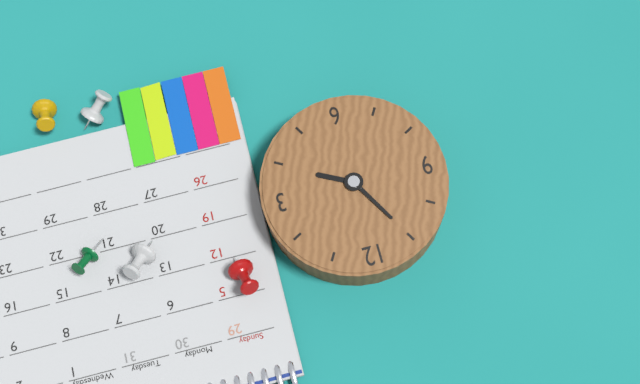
**3:55**
